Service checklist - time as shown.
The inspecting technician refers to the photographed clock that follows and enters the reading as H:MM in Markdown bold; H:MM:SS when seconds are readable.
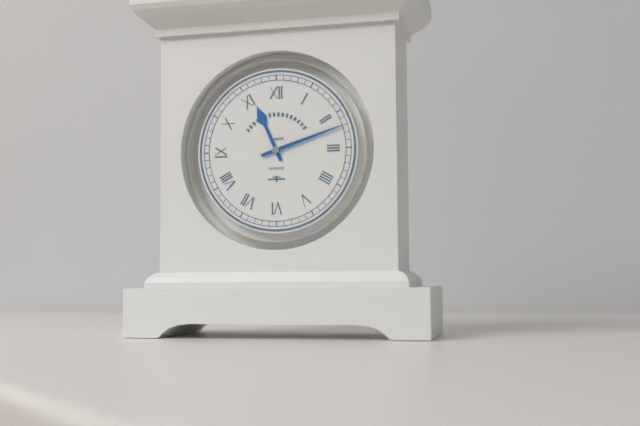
**11:12**
